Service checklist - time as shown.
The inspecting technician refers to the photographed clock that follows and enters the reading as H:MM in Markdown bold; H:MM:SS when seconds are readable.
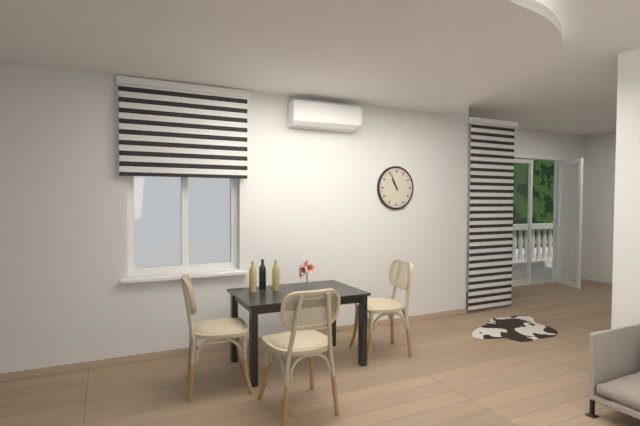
**10:56**
